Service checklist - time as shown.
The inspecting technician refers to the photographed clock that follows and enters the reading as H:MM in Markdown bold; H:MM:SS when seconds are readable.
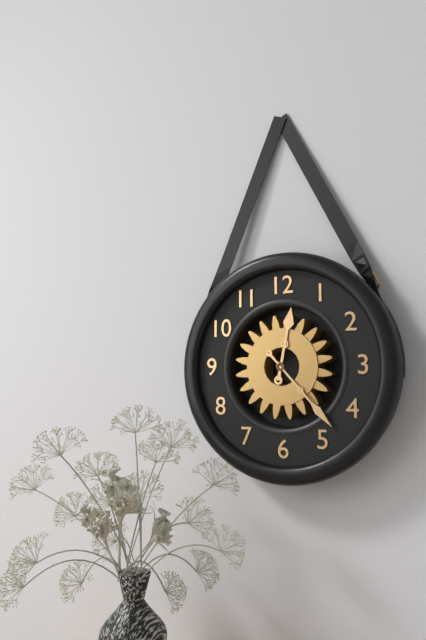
**12:23**
